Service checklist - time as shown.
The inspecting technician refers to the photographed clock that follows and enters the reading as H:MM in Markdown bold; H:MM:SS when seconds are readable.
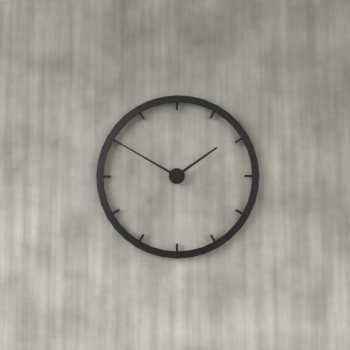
**1:50**
